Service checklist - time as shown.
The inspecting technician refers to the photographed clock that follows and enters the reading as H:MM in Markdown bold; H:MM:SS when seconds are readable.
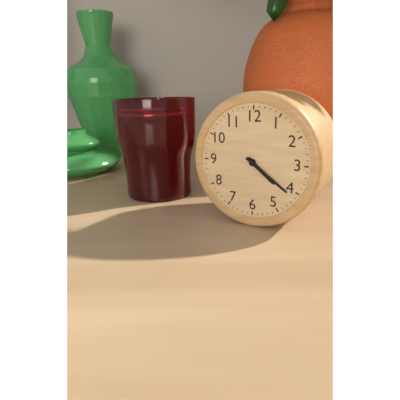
**4:21**
